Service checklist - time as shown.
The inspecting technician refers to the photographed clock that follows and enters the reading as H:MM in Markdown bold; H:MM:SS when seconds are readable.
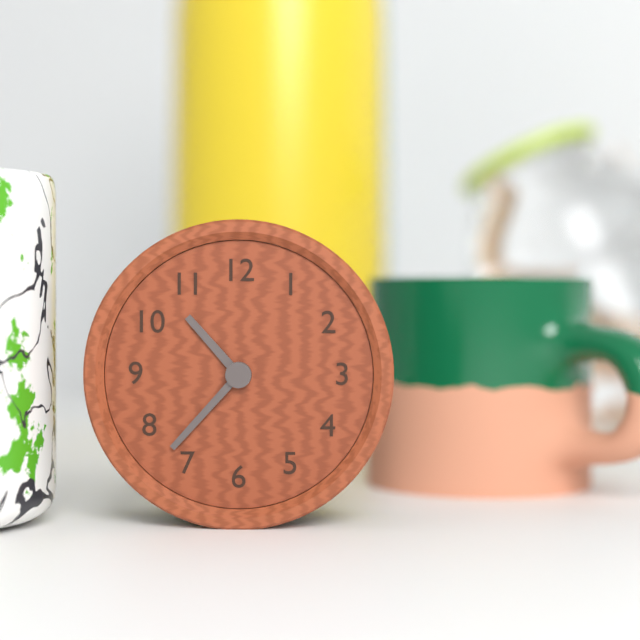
**10:37**
